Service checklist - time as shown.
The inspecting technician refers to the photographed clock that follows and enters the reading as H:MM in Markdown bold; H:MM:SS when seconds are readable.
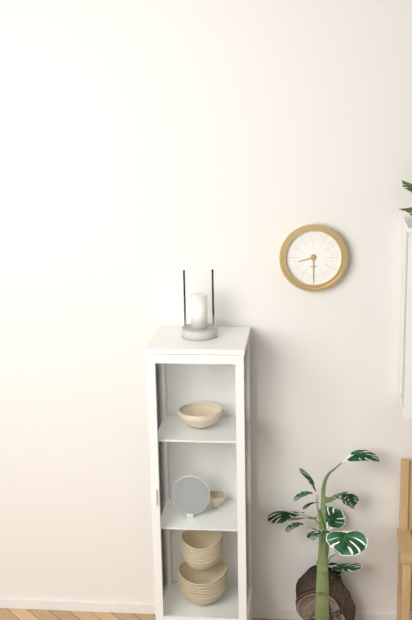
**8:30**
